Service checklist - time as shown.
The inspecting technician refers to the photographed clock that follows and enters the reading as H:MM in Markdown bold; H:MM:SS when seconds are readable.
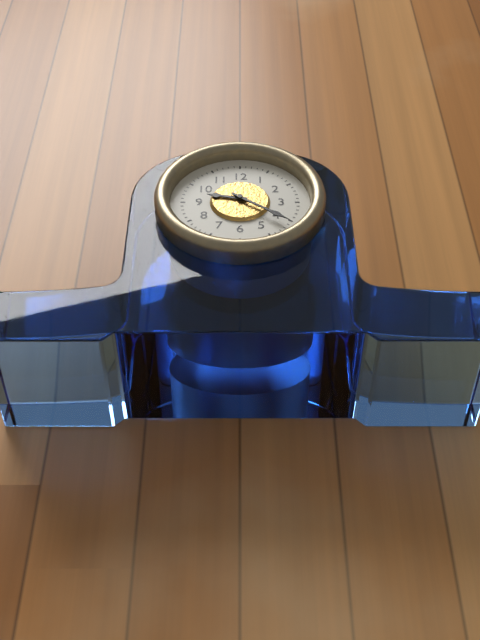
**9:21**
